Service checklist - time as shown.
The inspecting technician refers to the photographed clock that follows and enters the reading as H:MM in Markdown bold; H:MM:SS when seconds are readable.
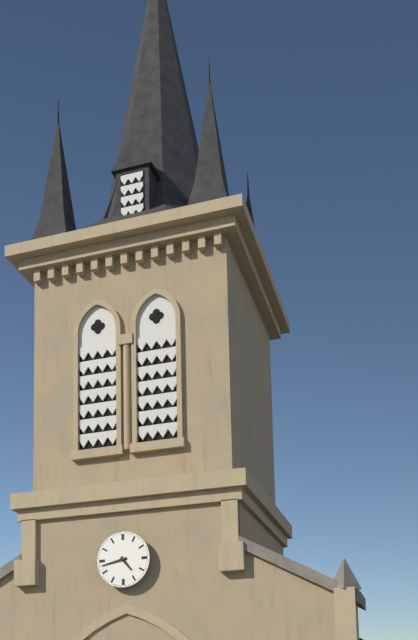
**4:43**
